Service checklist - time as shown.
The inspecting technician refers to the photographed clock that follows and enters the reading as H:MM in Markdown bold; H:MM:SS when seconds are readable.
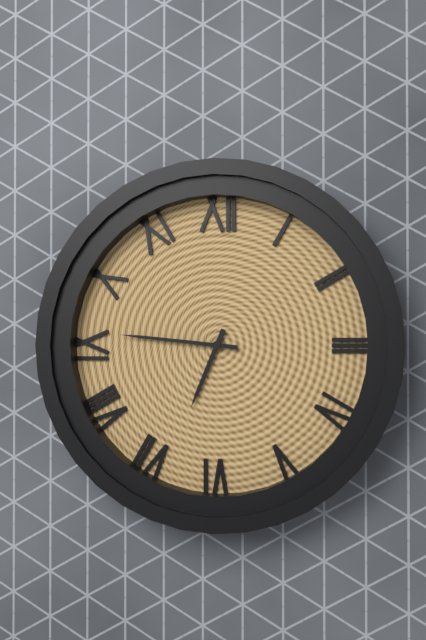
**6:46**
